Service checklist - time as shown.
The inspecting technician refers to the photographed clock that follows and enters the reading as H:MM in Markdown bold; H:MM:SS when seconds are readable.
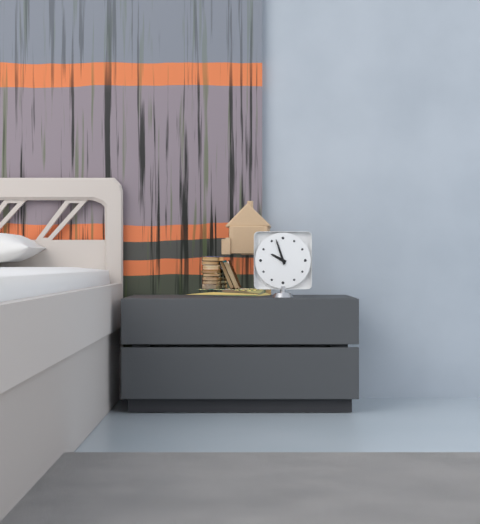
**9:57**
